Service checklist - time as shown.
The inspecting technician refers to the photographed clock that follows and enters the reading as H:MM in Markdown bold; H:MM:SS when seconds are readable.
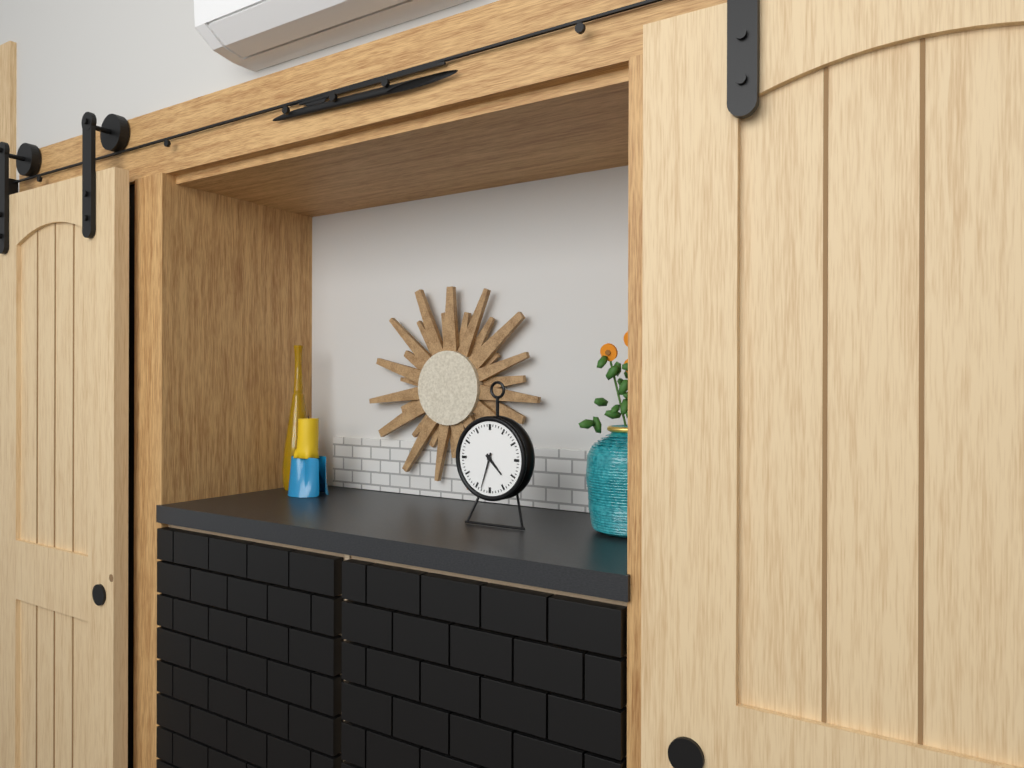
**4:33**
